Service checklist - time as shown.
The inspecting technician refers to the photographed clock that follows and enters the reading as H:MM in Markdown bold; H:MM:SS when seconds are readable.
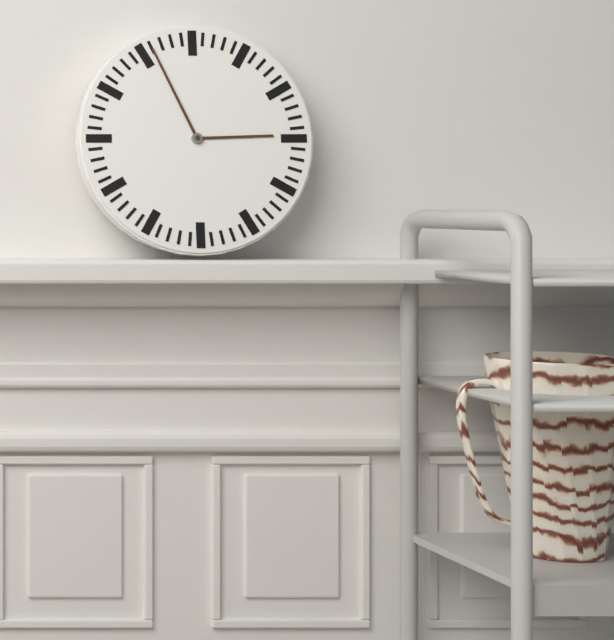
**2:56**
